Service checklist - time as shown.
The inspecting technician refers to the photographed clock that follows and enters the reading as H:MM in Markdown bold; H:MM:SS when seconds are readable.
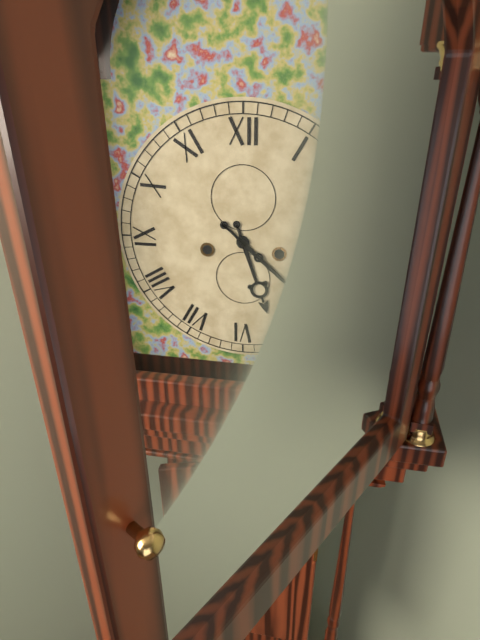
**5:22**
